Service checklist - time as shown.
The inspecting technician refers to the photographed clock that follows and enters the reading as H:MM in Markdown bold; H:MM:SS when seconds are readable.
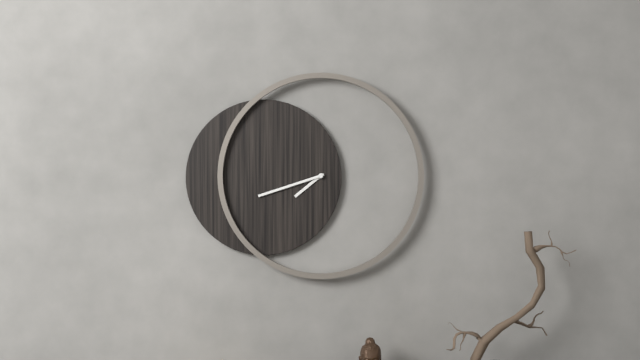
**7:42**
